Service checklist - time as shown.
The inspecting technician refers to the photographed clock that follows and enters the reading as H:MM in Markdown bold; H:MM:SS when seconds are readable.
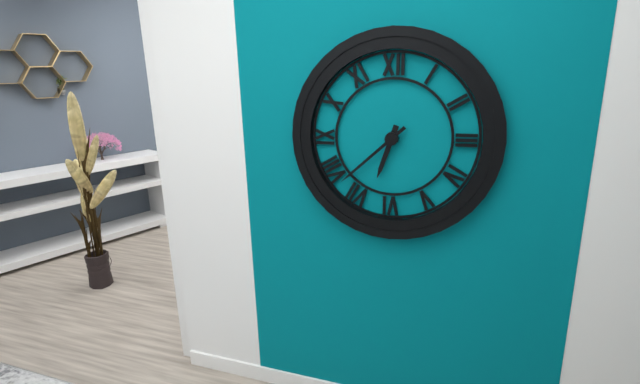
**6:38**
